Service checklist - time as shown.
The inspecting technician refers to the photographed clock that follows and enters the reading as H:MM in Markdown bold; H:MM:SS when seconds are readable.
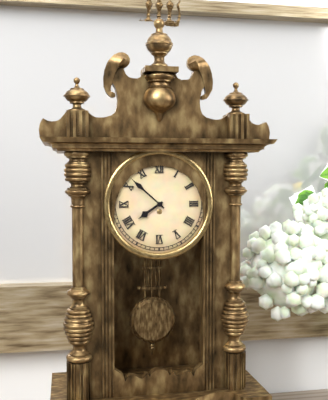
**7:52**
